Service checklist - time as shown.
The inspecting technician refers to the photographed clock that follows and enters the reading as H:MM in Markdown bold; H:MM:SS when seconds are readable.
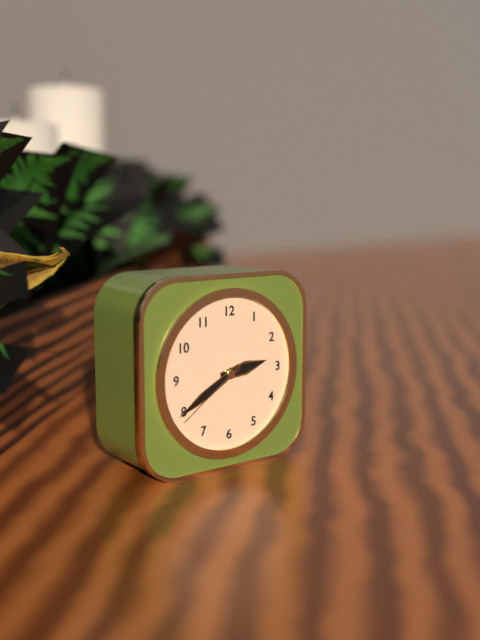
**2:40:39**
